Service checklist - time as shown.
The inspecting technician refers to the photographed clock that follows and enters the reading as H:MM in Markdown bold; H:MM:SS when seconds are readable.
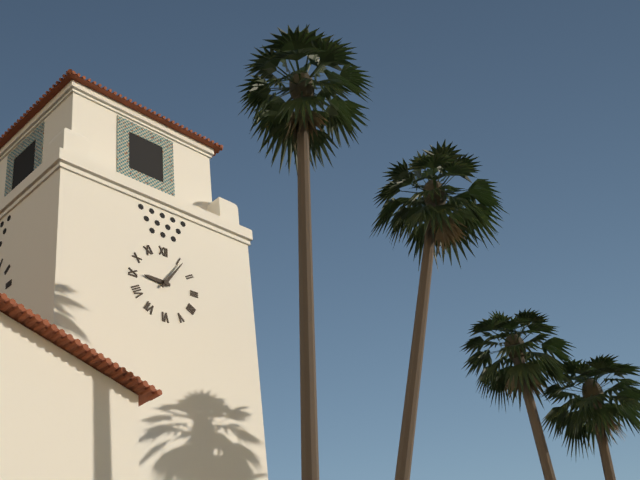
**9:06**
